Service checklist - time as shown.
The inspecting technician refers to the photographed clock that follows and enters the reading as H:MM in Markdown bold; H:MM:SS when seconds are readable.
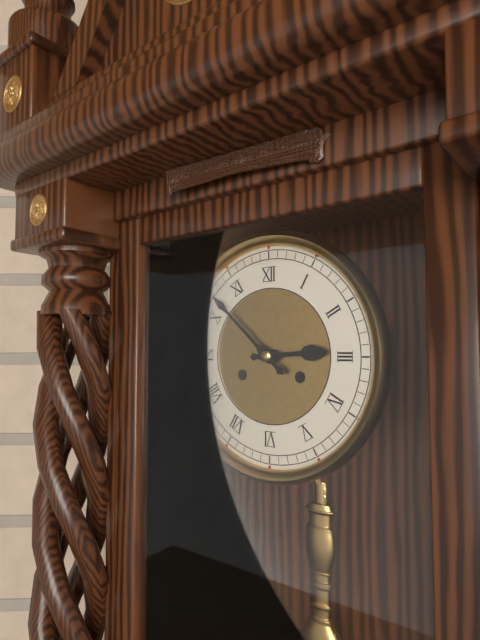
**2:52**
